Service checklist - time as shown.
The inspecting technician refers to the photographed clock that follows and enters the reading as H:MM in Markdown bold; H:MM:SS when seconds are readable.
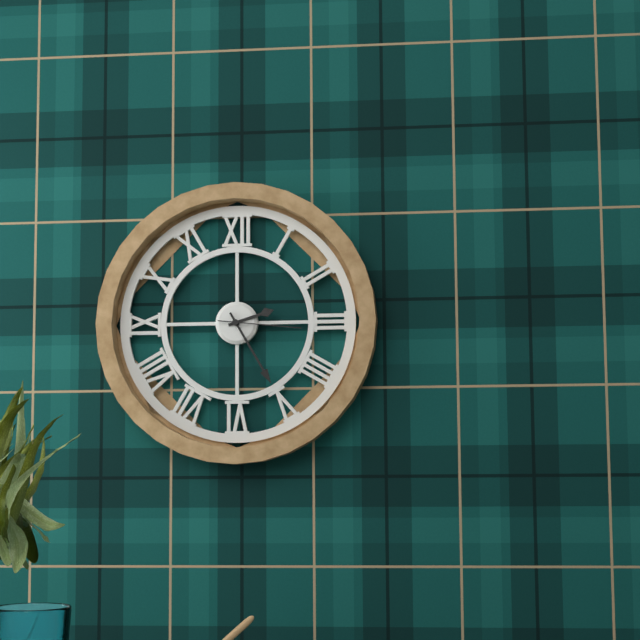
**2:25:16**
